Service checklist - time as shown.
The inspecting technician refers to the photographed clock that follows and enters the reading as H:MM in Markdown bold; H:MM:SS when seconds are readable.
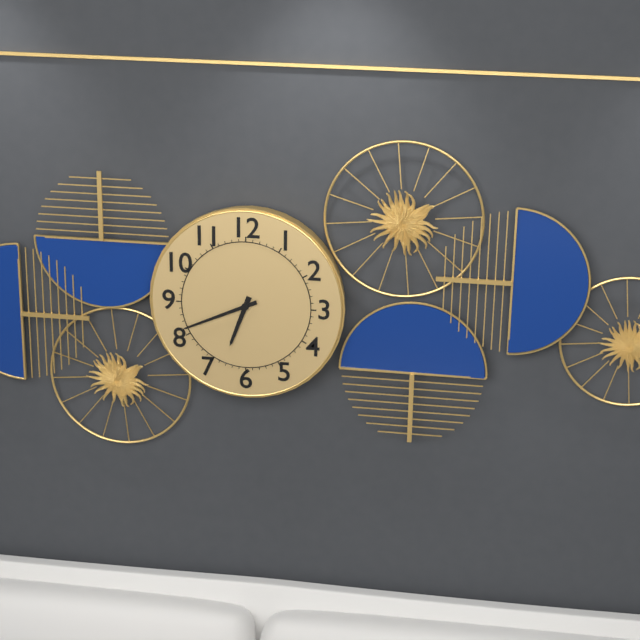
**6:41**
